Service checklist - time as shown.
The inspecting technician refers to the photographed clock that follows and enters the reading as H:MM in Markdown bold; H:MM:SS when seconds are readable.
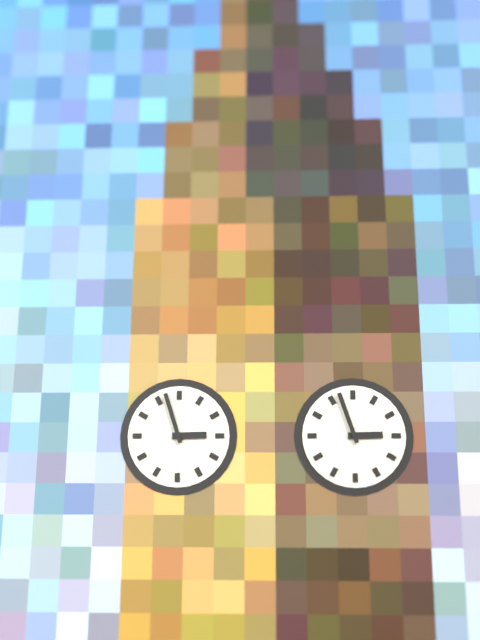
**2:57**
